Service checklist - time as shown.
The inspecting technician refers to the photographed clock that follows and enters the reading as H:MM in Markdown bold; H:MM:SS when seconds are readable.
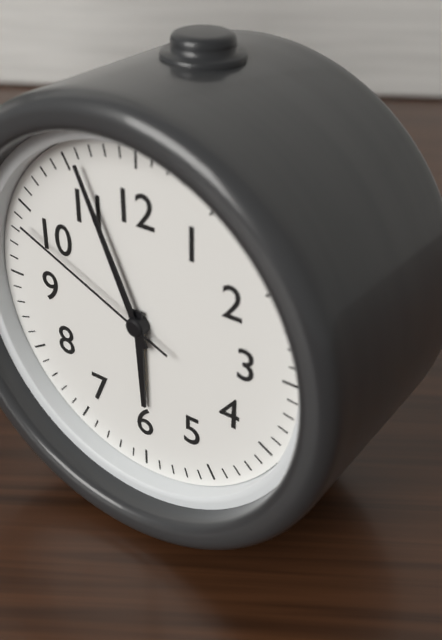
**5:56:49**
